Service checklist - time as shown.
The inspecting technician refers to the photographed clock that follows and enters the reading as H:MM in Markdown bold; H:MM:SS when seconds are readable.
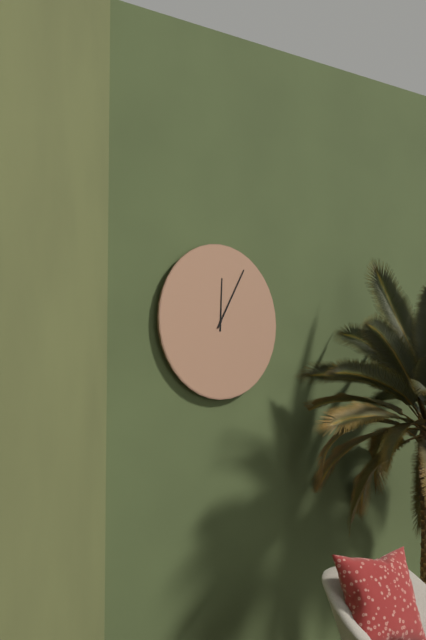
**12:05**
